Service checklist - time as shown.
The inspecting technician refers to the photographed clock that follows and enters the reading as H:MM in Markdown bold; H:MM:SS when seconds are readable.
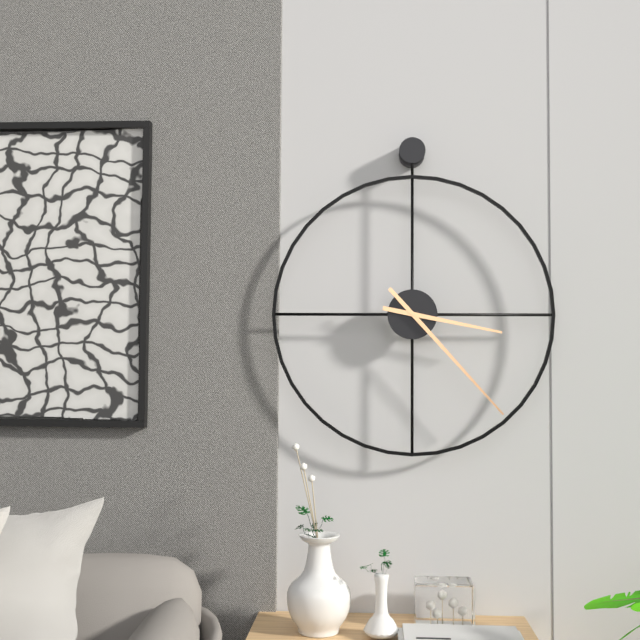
**3:23**
